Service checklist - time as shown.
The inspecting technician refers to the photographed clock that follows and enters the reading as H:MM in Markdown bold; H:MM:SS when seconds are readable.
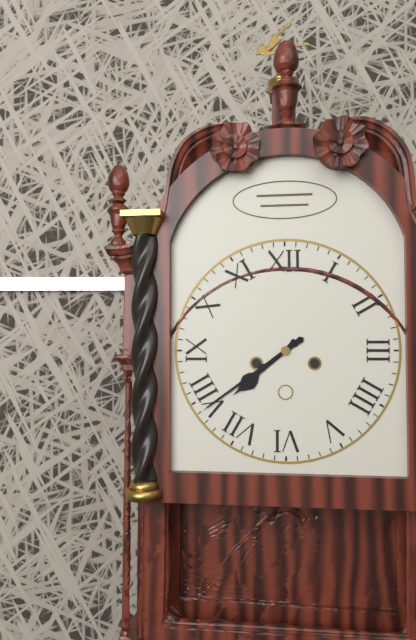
**7:39**
